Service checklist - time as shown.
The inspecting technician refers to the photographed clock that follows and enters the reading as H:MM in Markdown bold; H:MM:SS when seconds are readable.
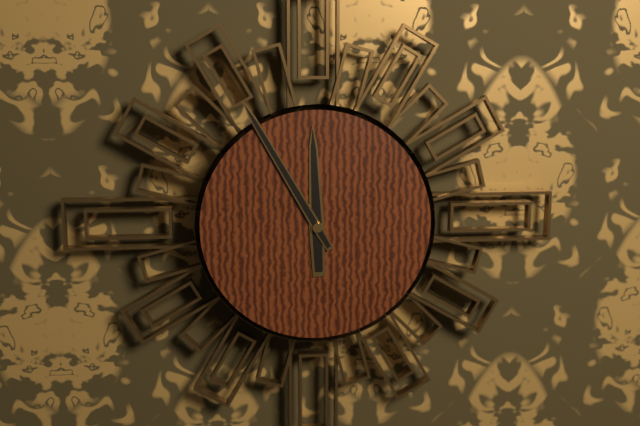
**11:55**
